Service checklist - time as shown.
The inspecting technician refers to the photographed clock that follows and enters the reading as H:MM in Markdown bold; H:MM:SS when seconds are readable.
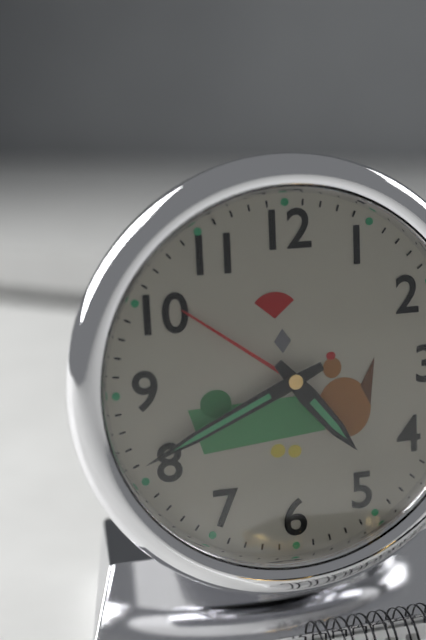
**4:41**
